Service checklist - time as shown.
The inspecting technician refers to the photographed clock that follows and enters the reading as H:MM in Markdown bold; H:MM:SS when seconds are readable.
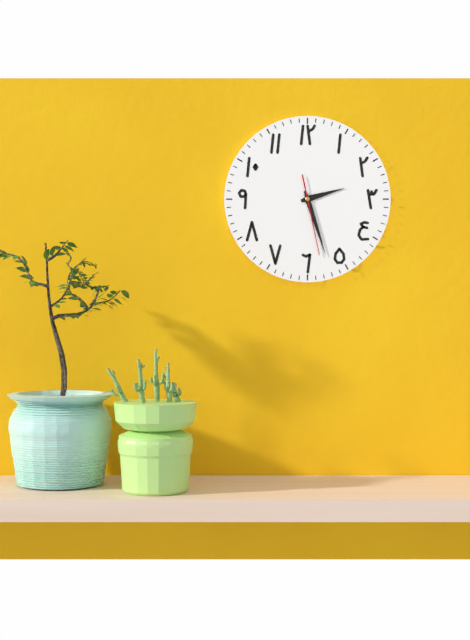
**2:27:28**
